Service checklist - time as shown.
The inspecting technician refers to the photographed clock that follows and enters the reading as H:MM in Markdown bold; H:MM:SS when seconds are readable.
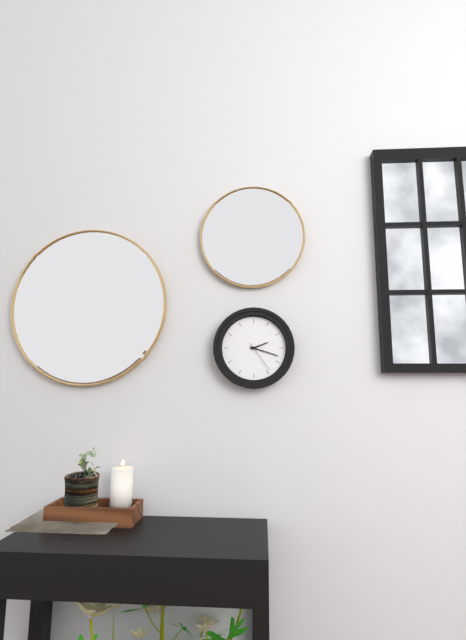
**2:18**
